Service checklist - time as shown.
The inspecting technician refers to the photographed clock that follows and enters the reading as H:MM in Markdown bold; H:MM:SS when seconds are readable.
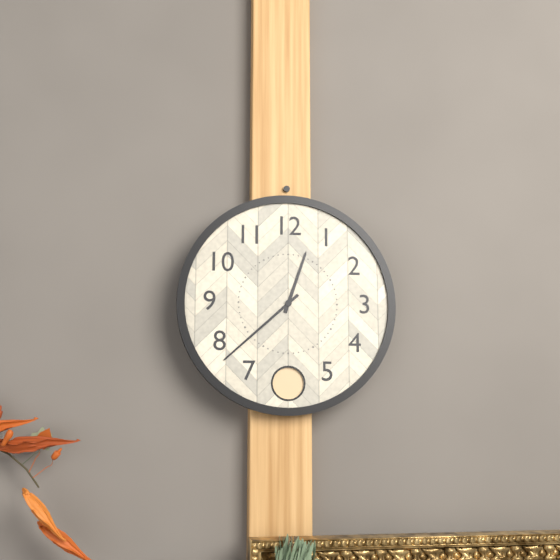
**12:38**
